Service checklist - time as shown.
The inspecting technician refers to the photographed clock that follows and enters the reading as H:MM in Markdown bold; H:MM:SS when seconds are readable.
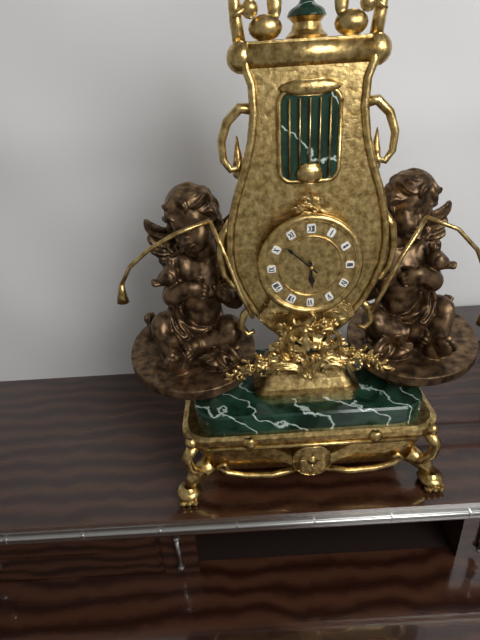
**5:52**
